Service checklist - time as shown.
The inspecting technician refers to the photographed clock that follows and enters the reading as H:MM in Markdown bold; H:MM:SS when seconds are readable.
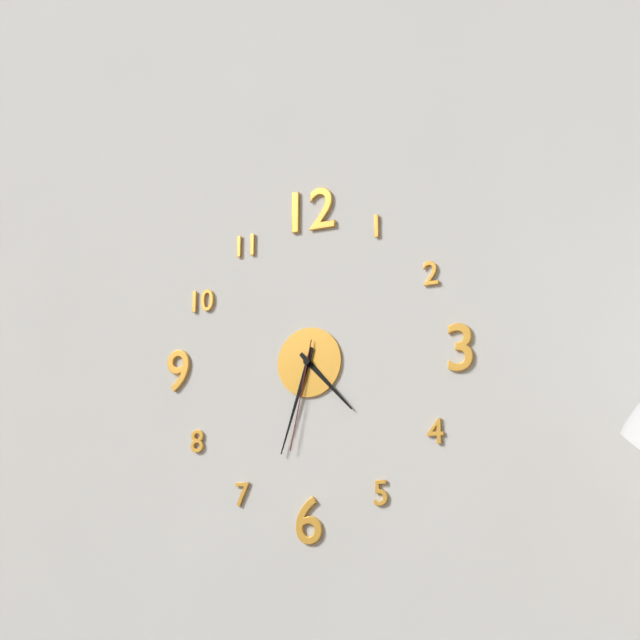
**4:33:32**
